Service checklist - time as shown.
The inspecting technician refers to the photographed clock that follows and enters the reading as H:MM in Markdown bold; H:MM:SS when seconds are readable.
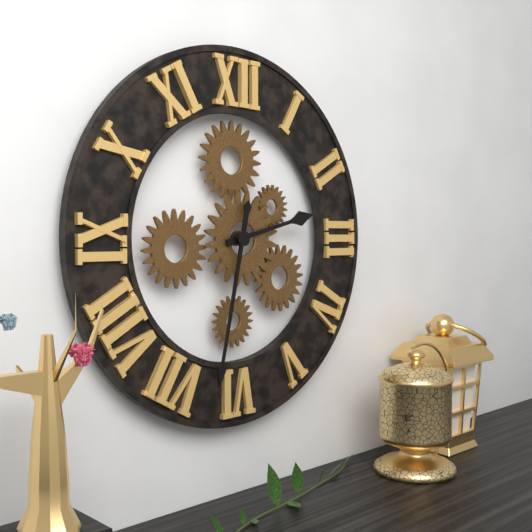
**2:32**
